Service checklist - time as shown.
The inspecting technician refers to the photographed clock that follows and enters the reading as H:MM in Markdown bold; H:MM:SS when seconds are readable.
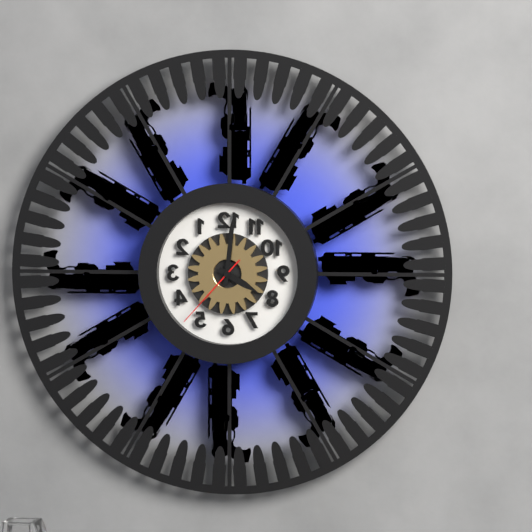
**4:01:37**
